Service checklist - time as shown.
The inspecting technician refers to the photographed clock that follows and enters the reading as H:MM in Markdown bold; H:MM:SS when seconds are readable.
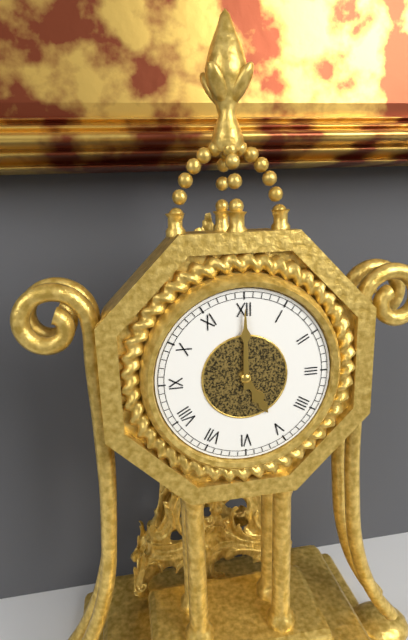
**5:00**
